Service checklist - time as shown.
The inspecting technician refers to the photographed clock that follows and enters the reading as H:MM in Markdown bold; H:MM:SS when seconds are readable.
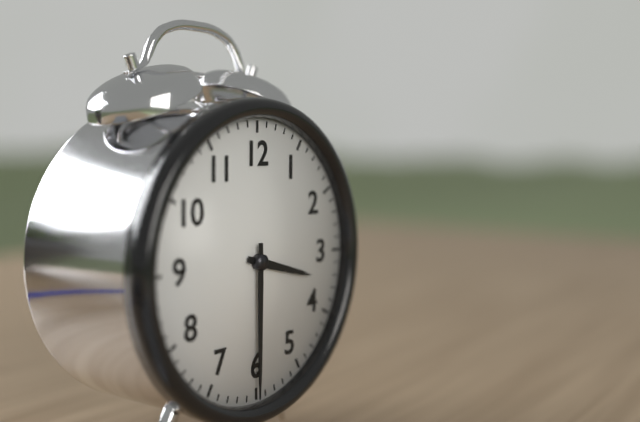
**3:30**
